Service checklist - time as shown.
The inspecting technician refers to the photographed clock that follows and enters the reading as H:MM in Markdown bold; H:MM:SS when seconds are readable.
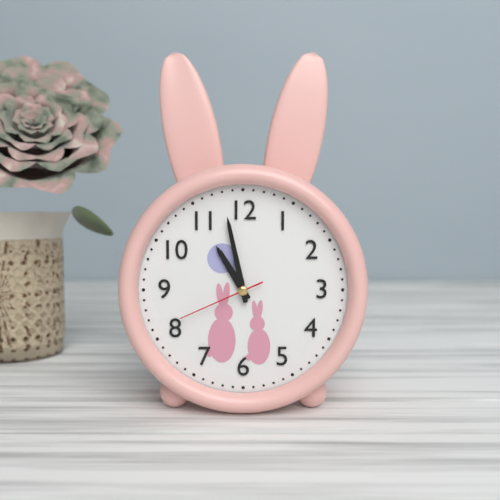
**10:58:41**
